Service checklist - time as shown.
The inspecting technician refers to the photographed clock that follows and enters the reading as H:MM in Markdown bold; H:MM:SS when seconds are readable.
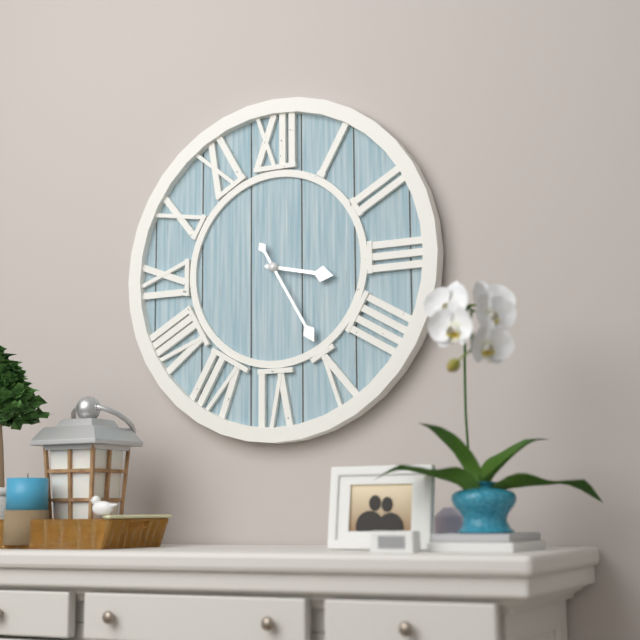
**3:25**
